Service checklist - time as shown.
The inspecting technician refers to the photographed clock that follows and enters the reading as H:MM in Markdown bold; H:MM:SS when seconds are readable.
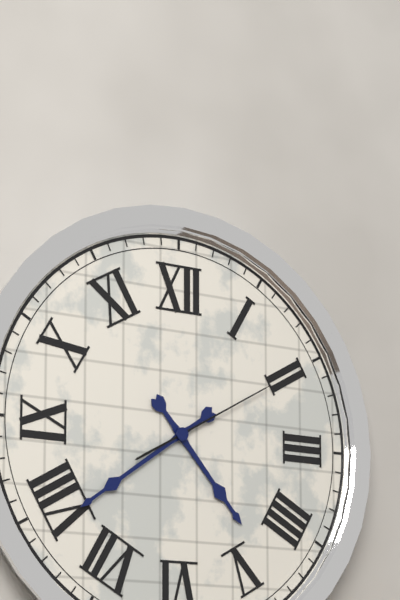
**4:39:10**
